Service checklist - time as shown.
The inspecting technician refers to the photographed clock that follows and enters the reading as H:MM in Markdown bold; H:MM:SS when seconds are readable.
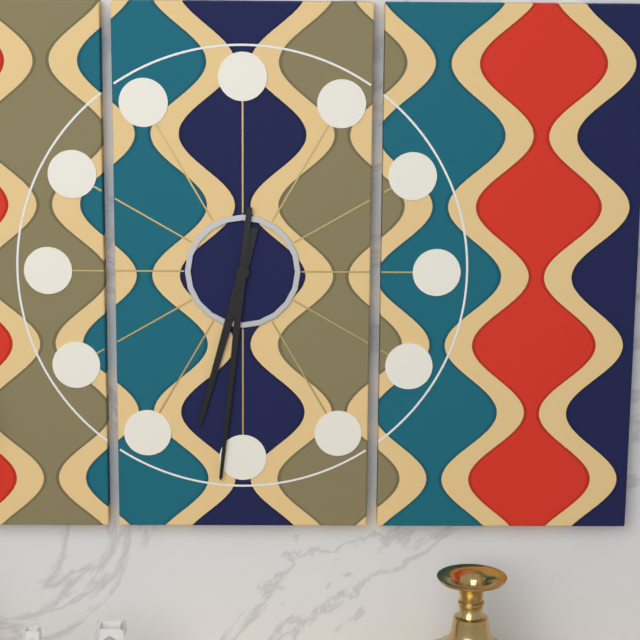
**6:31**
